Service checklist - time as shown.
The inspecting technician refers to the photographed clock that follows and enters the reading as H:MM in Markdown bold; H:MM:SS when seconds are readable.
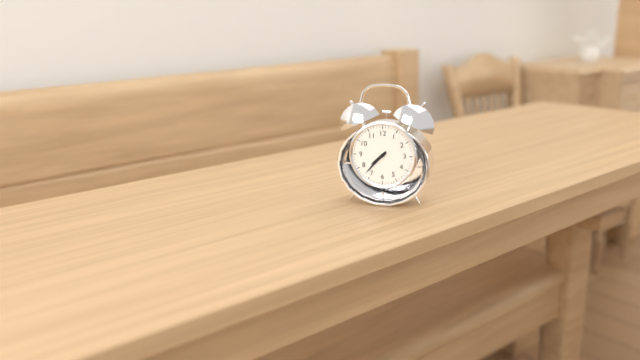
**7:37**
